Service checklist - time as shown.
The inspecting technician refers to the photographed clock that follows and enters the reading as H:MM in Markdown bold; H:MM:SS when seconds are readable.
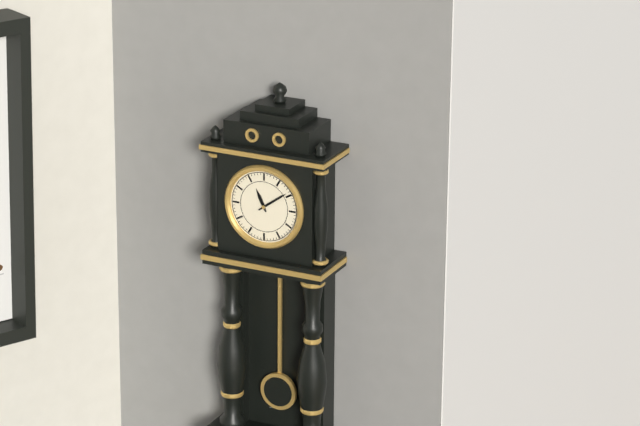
**11:09**
